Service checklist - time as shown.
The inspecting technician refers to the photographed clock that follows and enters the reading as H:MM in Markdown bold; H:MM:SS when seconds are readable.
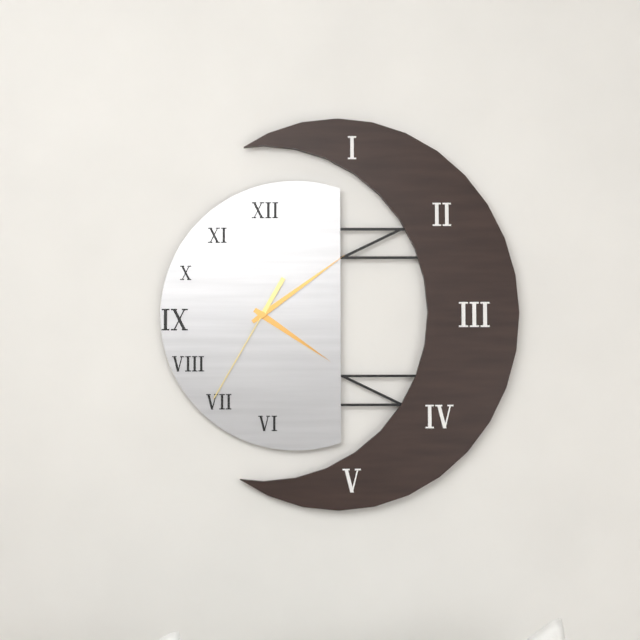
**4:09:35**
